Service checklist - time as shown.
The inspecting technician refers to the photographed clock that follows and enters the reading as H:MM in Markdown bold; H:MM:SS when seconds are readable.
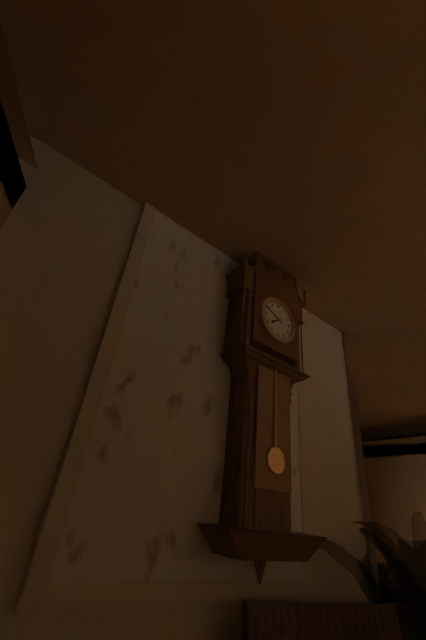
**7:49**
